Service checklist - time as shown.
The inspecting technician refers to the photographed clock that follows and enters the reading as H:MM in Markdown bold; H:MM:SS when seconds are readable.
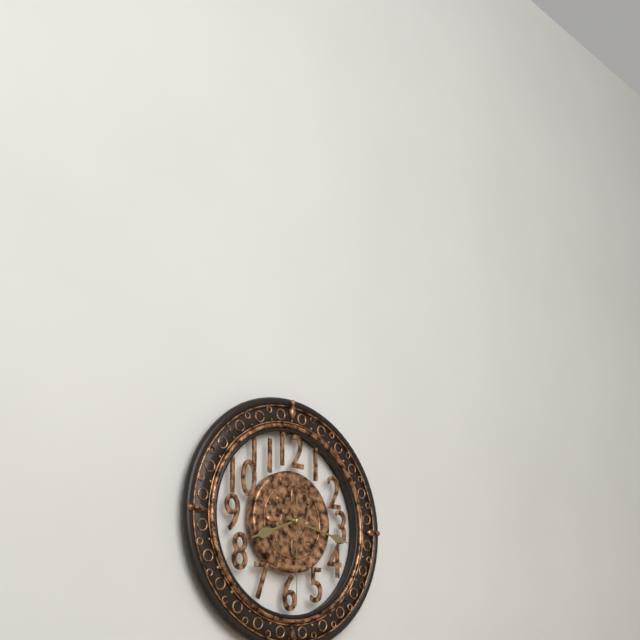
**8:17:30**
